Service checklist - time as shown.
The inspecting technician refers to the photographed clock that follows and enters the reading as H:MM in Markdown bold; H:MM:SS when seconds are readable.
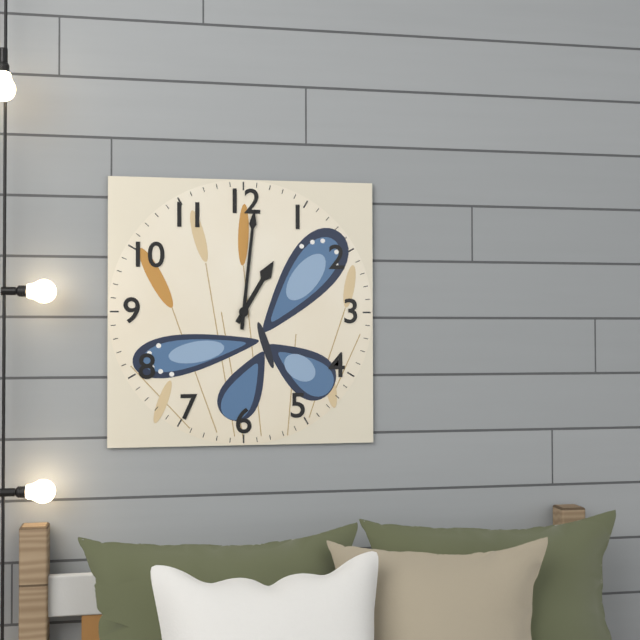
**1:01**
